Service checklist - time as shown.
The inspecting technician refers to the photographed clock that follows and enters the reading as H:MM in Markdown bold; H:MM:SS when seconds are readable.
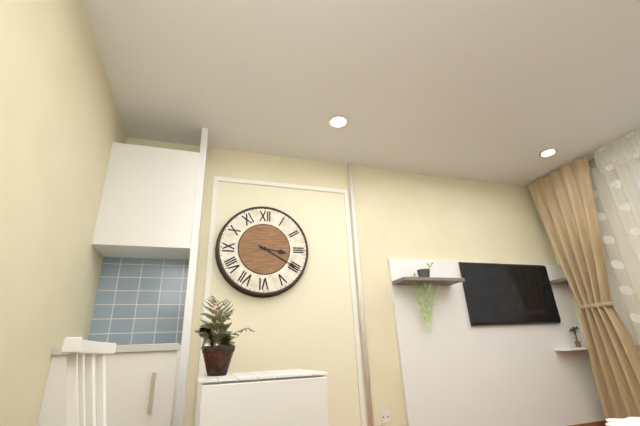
**3:20**
